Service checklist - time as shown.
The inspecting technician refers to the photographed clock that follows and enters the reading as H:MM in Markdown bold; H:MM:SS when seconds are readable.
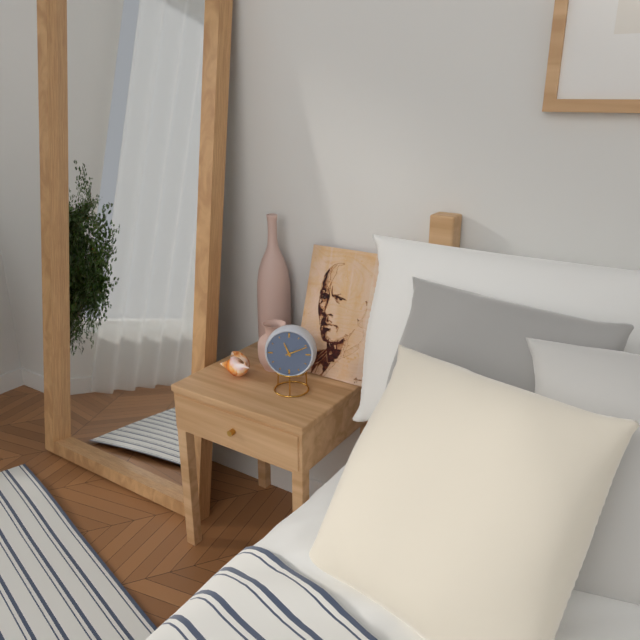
**11:11**
